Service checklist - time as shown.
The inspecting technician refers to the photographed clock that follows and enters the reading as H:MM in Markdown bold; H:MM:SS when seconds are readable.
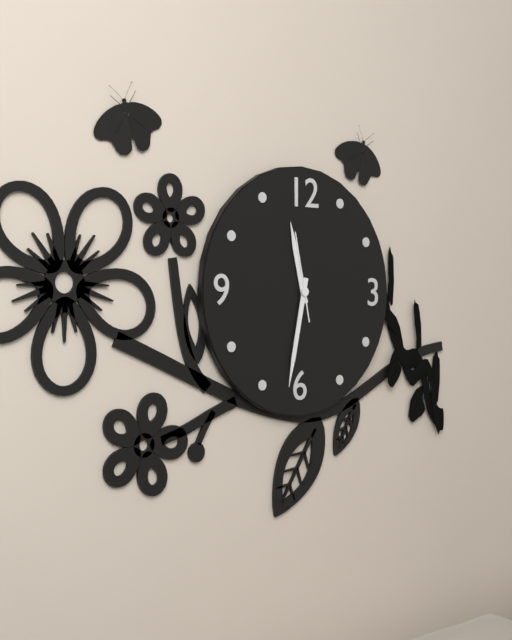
**11:32:58**
